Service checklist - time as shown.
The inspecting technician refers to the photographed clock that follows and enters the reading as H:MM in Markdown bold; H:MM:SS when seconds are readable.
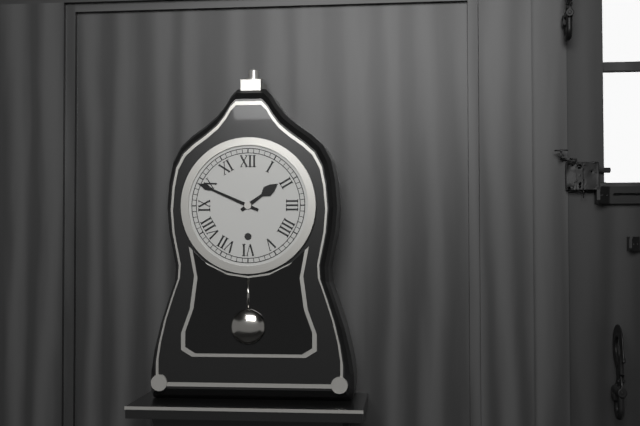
**1:49**
